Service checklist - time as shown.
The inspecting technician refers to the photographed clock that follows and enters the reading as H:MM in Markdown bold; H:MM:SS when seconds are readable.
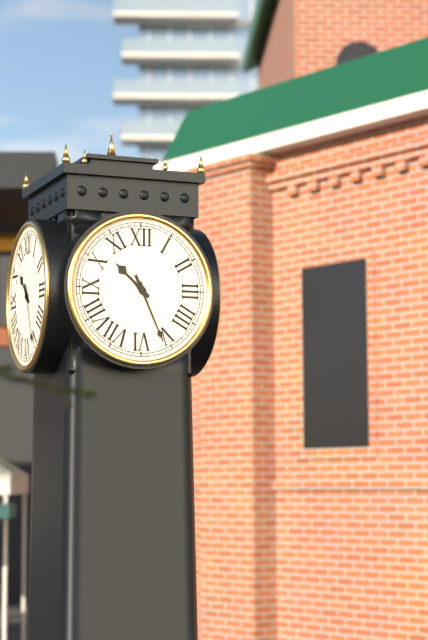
**10:26**
